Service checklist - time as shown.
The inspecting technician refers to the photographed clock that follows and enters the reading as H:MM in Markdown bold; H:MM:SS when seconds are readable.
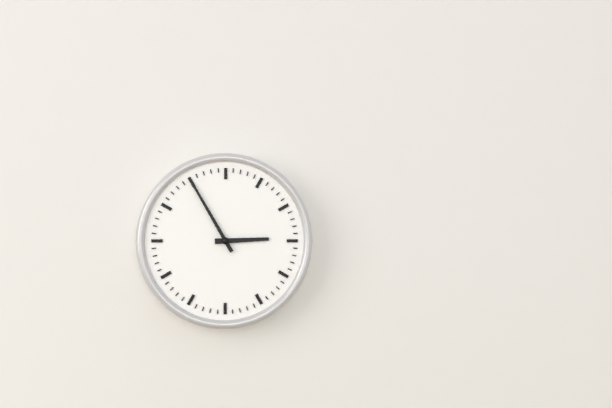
**2:55**
